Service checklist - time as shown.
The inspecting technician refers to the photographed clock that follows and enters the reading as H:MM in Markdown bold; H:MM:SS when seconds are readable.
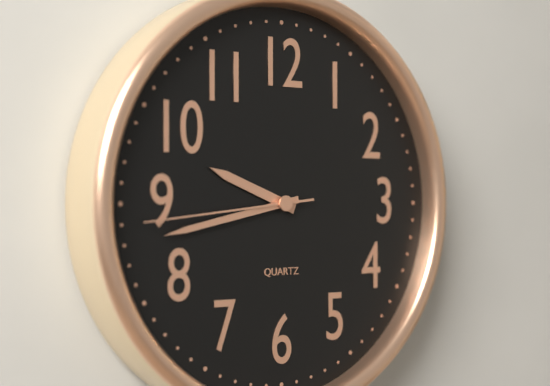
**9:43:44**
